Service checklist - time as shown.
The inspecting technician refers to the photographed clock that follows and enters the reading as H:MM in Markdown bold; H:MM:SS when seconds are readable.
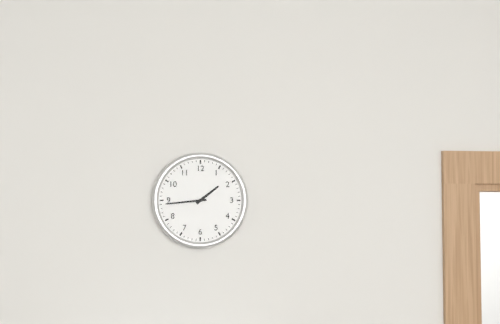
**1:44**
